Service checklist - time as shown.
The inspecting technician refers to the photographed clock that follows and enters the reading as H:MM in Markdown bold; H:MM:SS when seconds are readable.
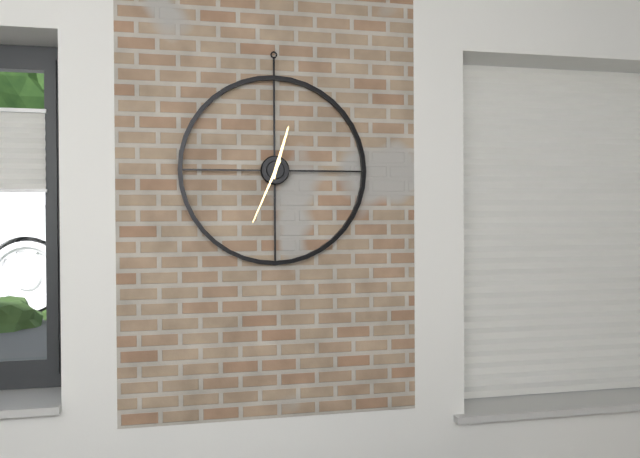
**12:34**
